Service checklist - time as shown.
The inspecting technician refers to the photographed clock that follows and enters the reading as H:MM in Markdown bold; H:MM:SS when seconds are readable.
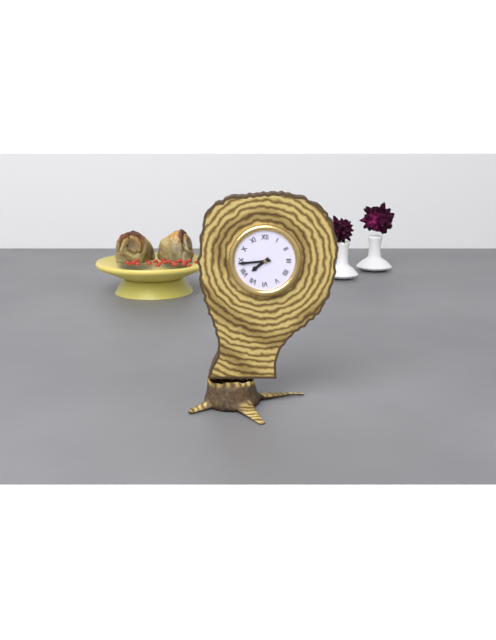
**7:44**
